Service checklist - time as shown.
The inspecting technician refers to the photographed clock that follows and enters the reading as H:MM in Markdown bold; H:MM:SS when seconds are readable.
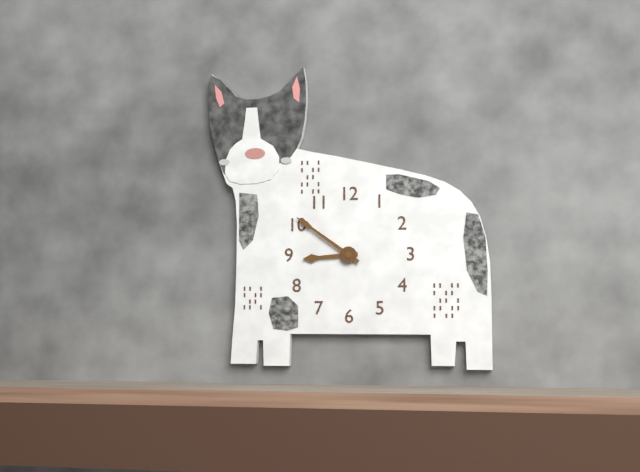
**8:51**
